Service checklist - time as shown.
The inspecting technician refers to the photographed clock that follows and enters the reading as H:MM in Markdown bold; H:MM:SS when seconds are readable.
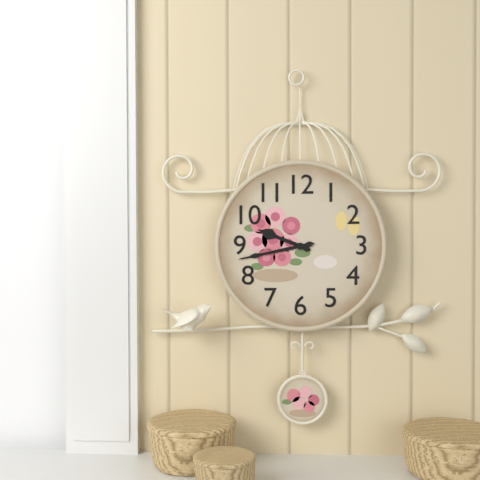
**9:43**
